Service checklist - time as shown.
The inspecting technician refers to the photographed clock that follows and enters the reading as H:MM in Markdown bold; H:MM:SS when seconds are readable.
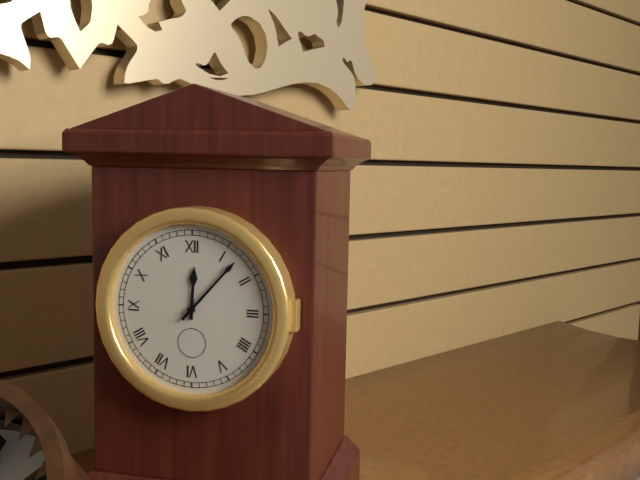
**12:07**
